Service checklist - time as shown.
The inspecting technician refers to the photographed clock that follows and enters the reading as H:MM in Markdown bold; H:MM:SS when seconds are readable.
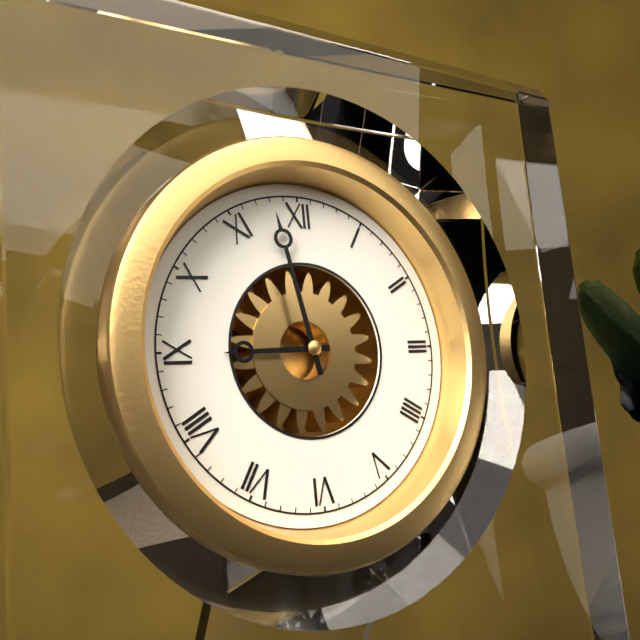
**8:58**
